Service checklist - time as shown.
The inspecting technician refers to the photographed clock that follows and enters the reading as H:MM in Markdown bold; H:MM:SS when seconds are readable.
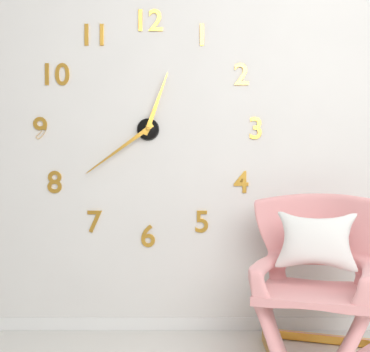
**12:39**
